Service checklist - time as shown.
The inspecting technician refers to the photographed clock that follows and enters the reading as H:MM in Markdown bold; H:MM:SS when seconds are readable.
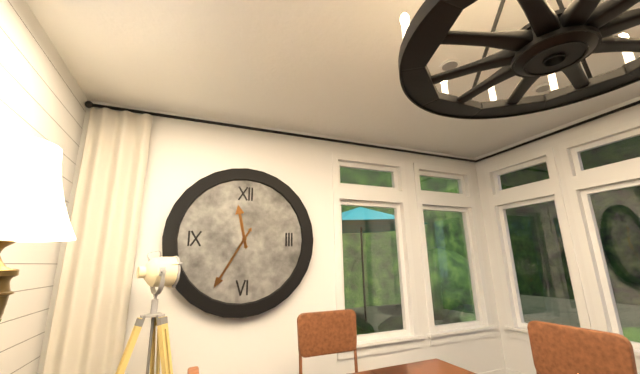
**11:35**
